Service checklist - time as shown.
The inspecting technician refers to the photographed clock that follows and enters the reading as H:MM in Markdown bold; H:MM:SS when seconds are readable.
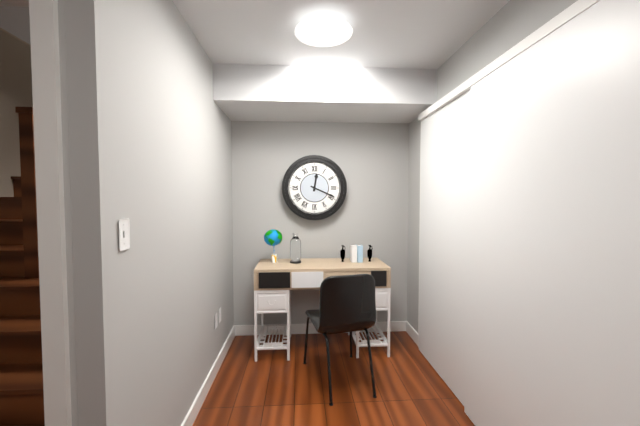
**12:19**
